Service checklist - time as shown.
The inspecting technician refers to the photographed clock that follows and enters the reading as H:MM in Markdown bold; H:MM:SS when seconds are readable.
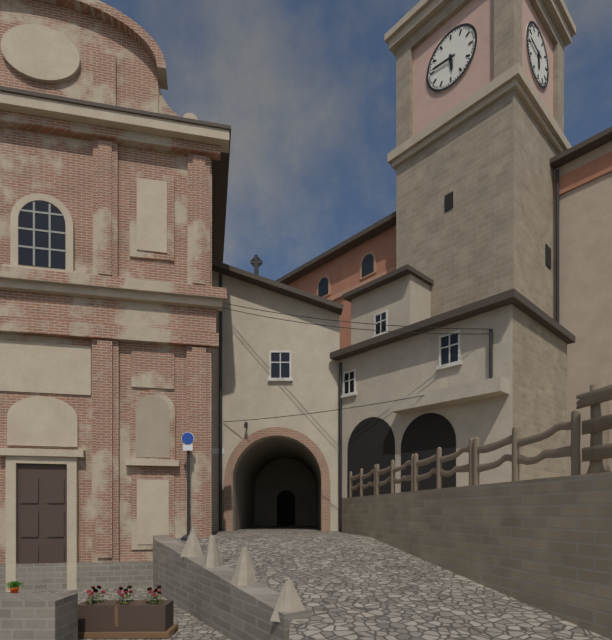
**5:46**
